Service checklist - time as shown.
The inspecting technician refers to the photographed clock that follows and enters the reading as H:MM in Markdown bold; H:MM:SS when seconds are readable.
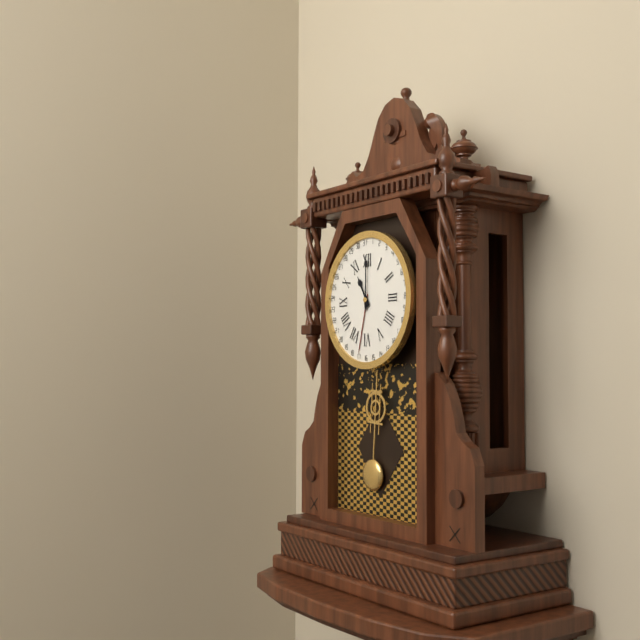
**11:00**
